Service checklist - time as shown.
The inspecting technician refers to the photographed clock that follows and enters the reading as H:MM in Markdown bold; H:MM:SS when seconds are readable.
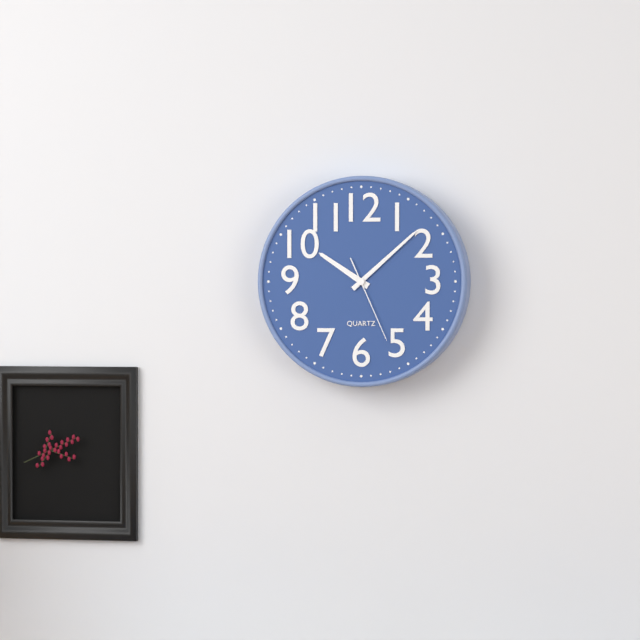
**10:08:26**
